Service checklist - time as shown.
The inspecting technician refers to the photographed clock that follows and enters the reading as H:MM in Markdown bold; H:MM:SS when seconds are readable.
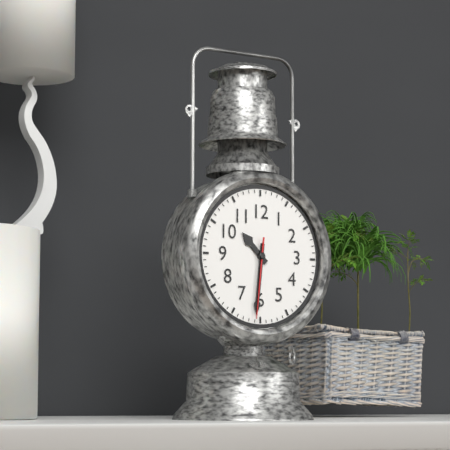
**10:31:31**
